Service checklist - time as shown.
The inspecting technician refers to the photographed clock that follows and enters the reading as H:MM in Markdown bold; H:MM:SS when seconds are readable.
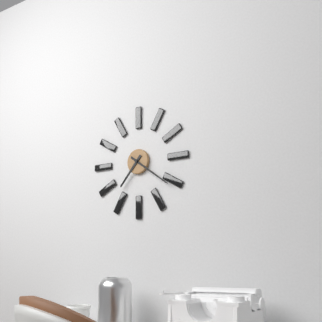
**7:21**
